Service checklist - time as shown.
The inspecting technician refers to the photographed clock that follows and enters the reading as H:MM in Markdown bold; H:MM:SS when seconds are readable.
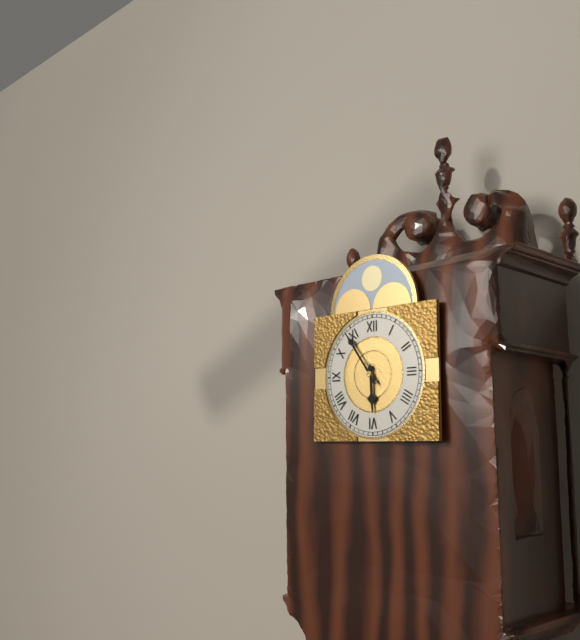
**5:54**
